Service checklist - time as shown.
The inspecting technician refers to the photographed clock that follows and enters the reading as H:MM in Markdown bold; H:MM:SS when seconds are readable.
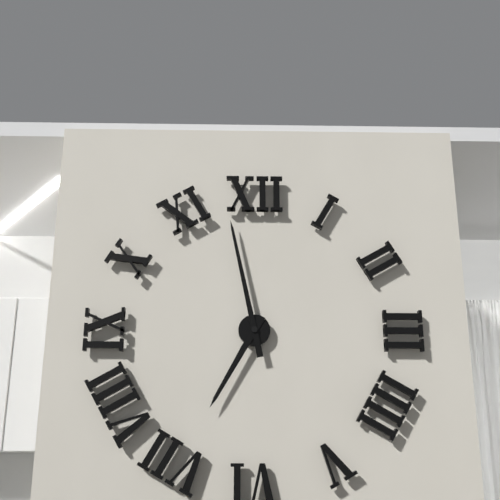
**6:58**
